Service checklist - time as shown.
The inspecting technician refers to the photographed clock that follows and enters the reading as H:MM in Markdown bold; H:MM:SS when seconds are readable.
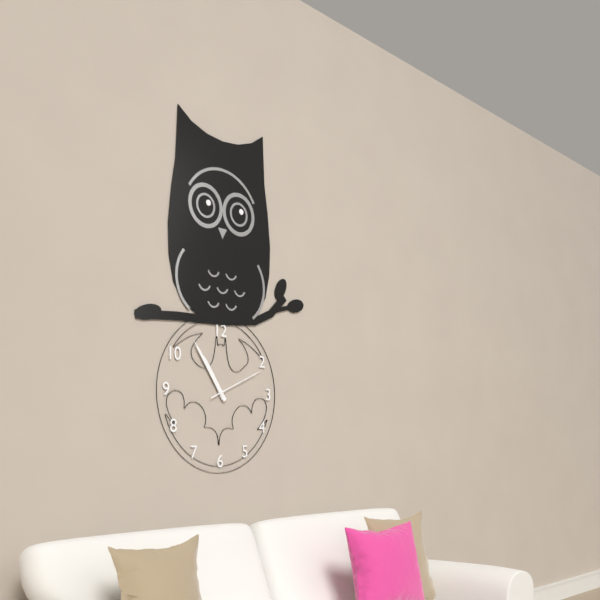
**10:54:11**
